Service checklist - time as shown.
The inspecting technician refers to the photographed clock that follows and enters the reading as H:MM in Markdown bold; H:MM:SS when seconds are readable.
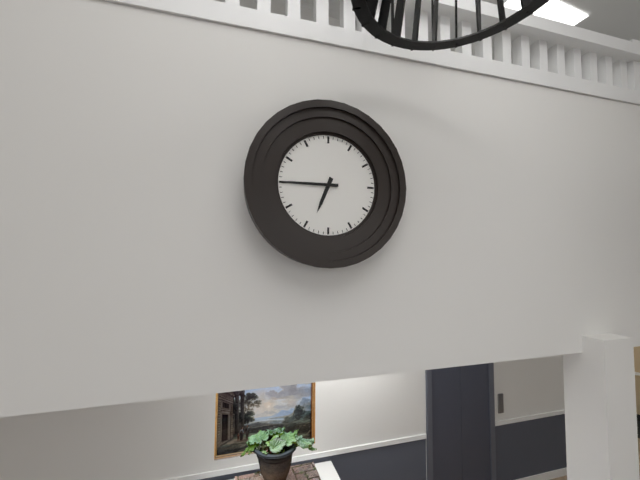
**6:45**
